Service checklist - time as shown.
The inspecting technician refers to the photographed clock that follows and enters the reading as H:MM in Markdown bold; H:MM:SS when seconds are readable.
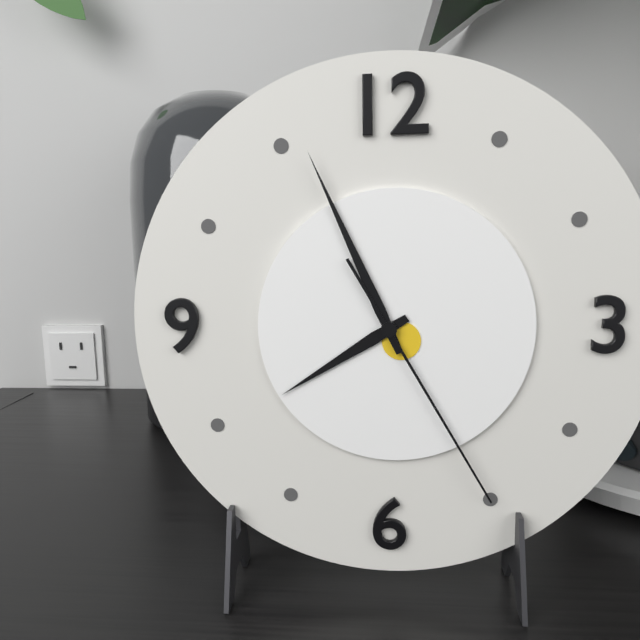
**7:56:25**
